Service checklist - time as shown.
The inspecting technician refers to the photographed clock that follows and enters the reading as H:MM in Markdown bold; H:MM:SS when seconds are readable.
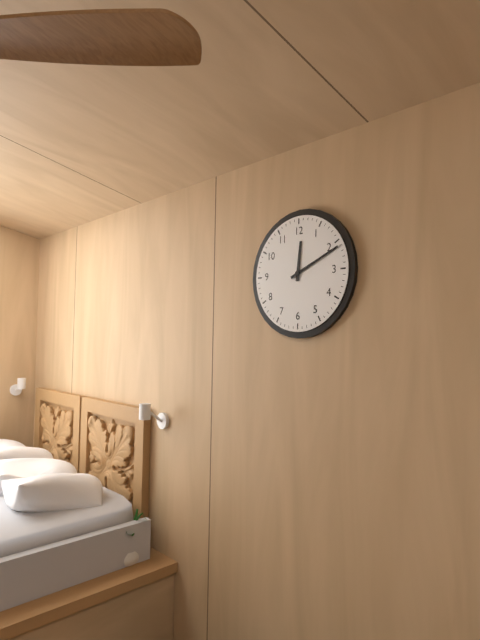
**12:11**
